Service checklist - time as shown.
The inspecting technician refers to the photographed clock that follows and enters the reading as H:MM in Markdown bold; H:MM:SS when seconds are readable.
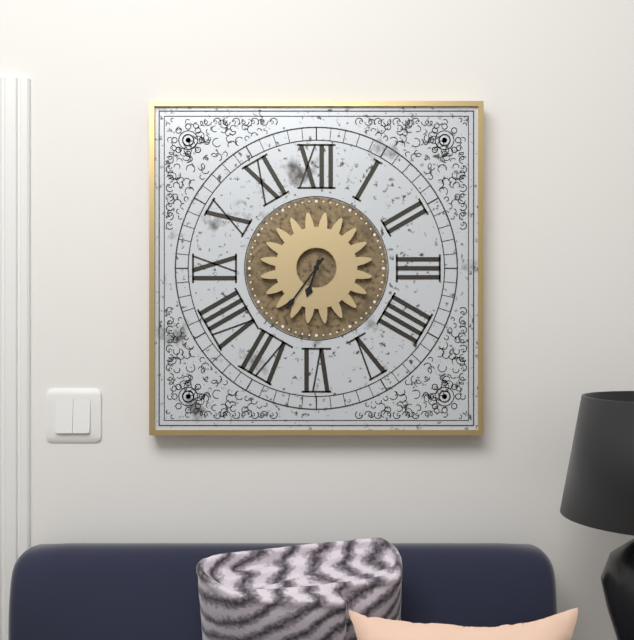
**6:36**
